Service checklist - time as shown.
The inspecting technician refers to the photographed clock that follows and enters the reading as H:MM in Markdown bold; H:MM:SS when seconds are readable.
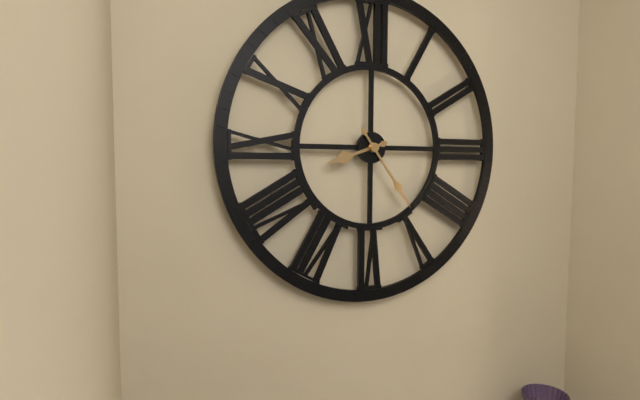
**8:24**
